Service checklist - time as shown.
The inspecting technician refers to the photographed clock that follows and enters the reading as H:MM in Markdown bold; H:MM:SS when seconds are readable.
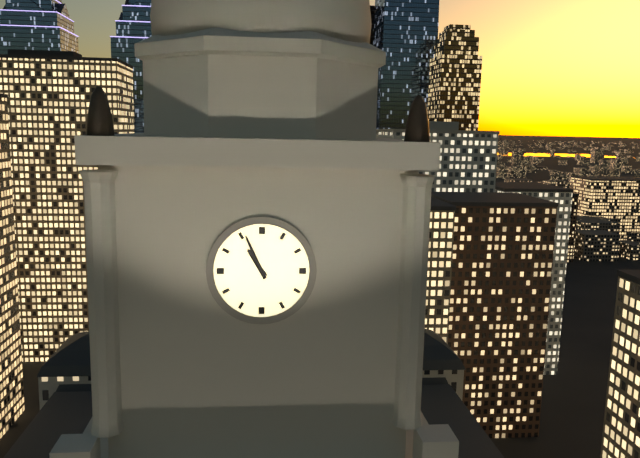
**10:56**
